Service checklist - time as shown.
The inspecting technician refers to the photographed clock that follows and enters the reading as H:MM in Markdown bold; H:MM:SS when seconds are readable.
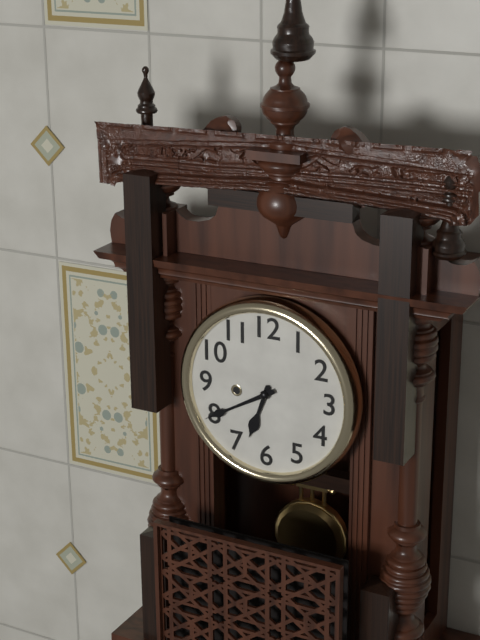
**6:40**
